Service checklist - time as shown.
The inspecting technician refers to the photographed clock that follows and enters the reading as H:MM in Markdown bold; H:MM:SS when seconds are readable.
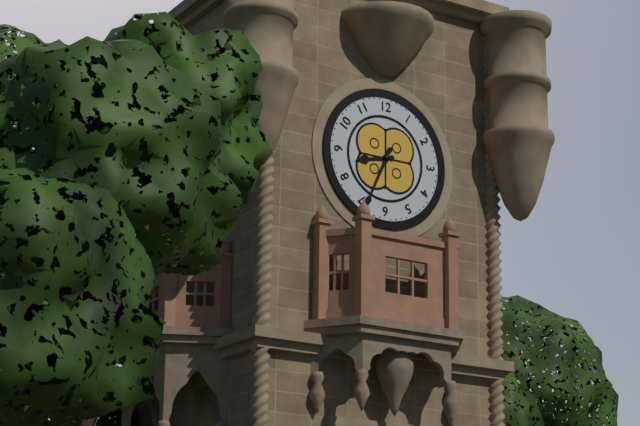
**8:34**
